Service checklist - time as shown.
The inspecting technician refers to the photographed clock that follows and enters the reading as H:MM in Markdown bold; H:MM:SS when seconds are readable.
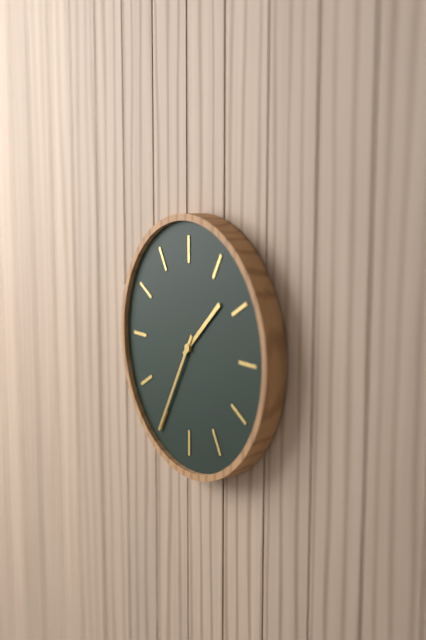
**1:35**
